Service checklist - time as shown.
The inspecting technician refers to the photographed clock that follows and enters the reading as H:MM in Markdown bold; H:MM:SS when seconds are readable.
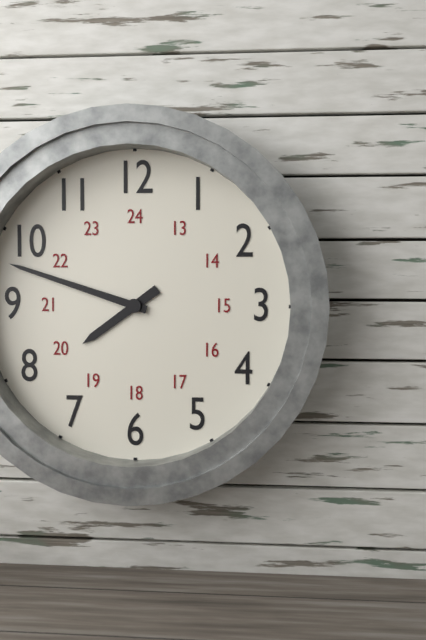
**7:48**
